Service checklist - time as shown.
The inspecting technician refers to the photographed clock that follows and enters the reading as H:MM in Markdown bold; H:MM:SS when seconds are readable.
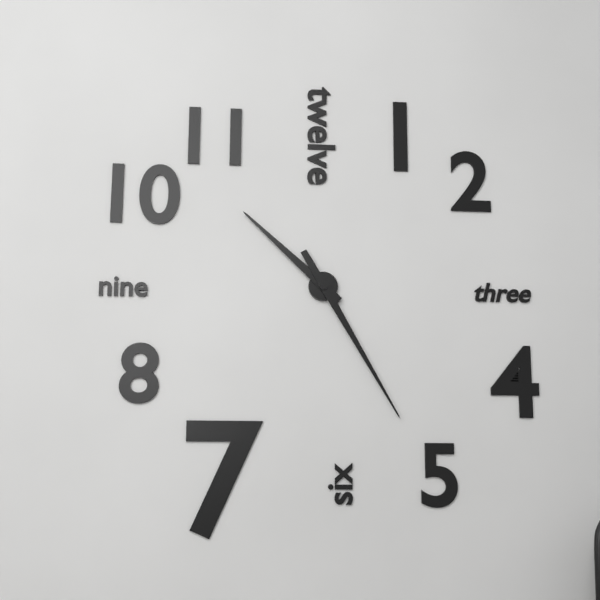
**10:25**
